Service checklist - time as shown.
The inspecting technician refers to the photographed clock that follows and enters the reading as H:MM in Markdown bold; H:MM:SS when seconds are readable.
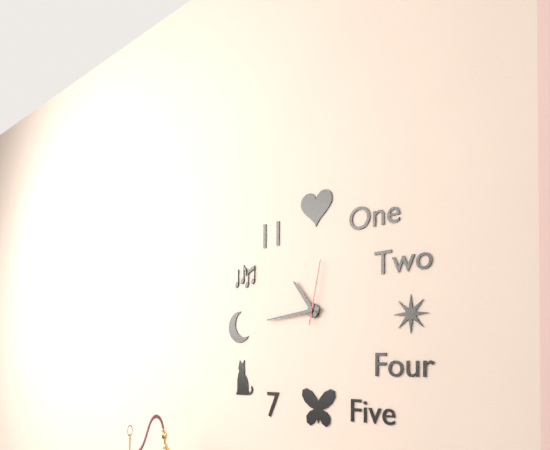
**10:44:02**
